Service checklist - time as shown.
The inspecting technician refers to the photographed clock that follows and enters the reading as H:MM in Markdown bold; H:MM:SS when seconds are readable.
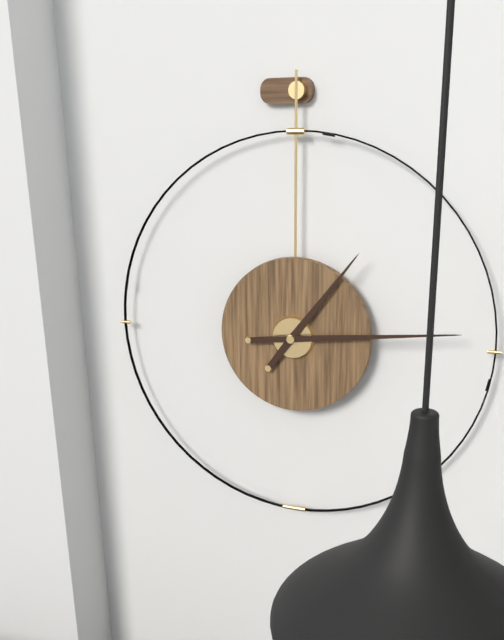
**1:14**
